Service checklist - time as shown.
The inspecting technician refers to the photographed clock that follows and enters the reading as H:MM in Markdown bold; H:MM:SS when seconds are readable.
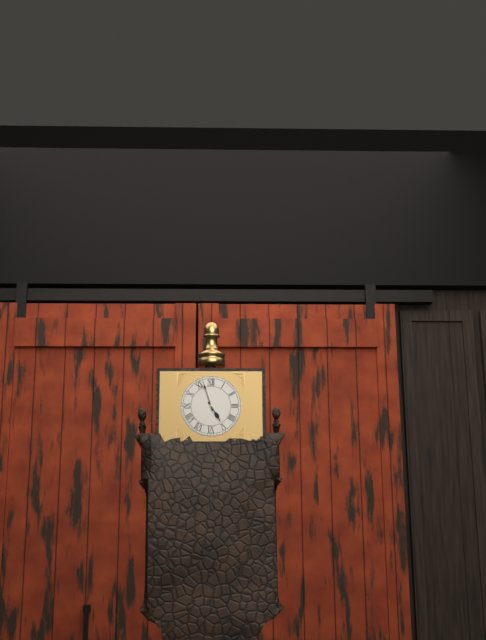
**4:57**
